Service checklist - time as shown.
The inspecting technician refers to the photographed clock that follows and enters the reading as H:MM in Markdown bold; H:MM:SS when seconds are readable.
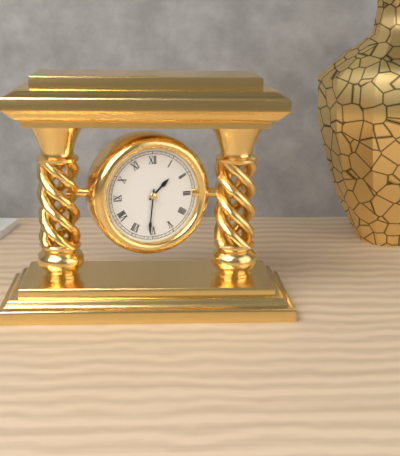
**1:31**
